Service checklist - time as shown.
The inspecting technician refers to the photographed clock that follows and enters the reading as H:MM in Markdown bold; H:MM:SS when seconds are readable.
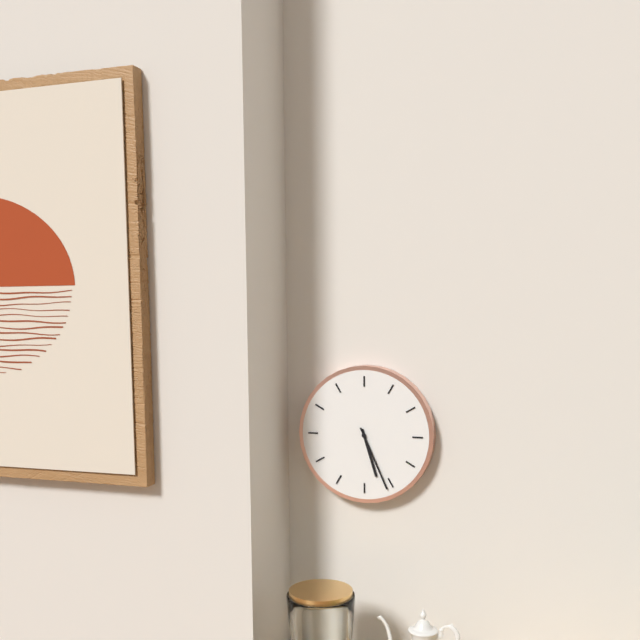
**5:26**
